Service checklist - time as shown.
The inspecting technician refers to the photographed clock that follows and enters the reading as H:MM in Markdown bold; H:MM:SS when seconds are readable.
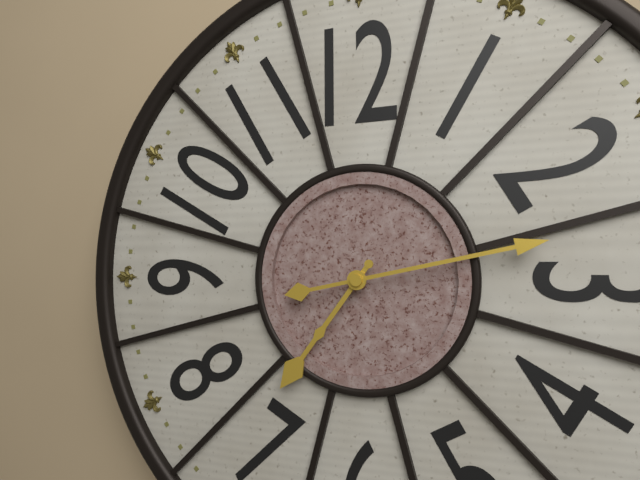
**7:13**
